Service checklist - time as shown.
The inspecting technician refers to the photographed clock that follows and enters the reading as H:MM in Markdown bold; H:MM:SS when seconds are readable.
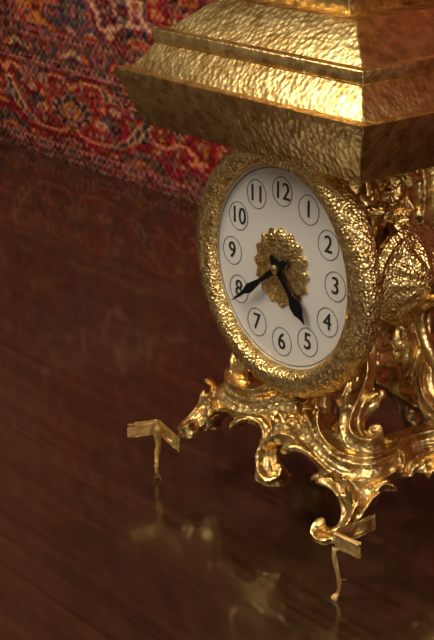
**4:39**
